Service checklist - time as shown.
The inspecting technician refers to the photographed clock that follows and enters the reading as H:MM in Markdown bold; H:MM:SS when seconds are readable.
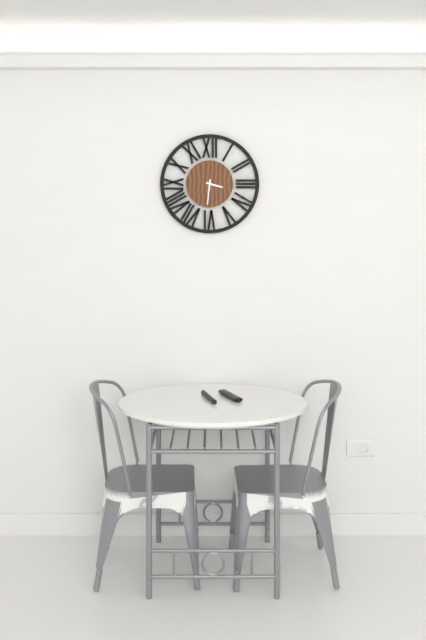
**3:31**
